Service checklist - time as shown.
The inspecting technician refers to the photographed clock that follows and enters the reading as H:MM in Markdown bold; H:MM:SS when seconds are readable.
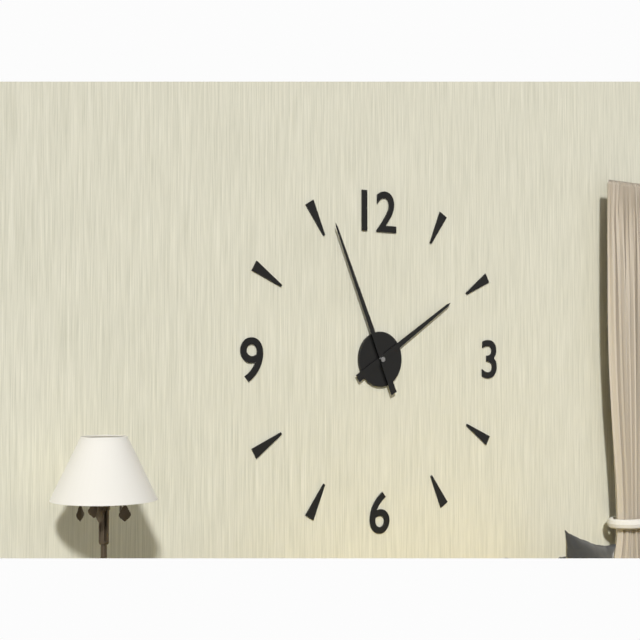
**1:56**
